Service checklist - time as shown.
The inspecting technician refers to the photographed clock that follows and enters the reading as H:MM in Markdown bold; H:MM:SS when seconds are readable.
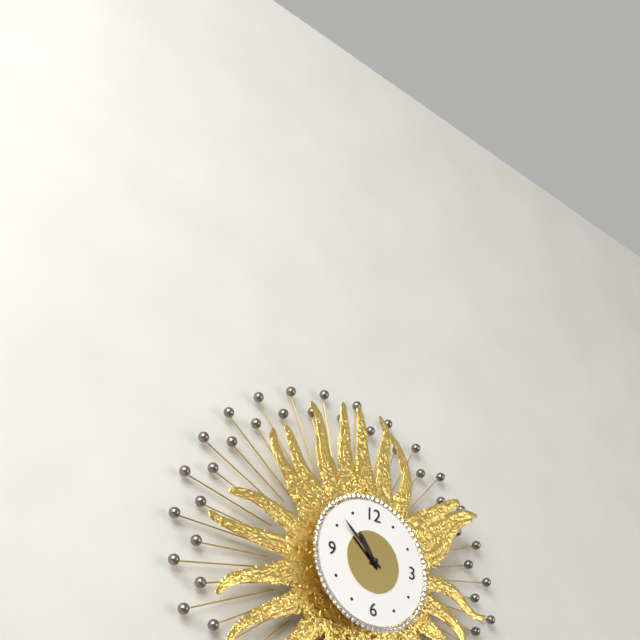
**10:52**
